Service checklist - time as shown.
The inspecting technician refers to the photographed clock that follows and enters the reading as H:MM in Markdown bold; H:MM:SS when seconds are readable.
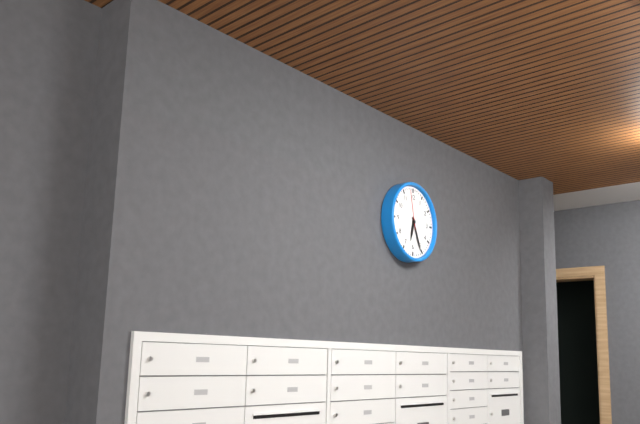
**6:26**
